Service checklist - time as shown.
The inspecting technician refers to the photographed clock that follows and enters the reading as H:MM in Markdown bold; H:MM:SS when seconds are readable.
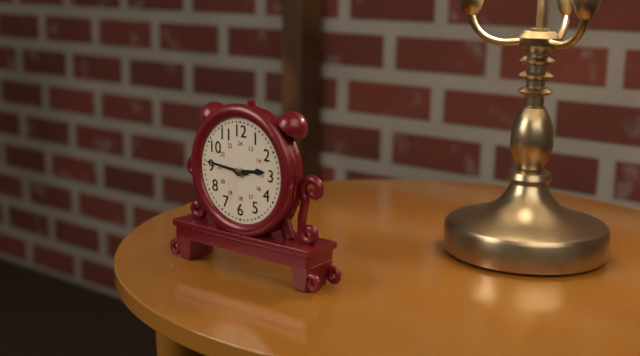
**2:46**
